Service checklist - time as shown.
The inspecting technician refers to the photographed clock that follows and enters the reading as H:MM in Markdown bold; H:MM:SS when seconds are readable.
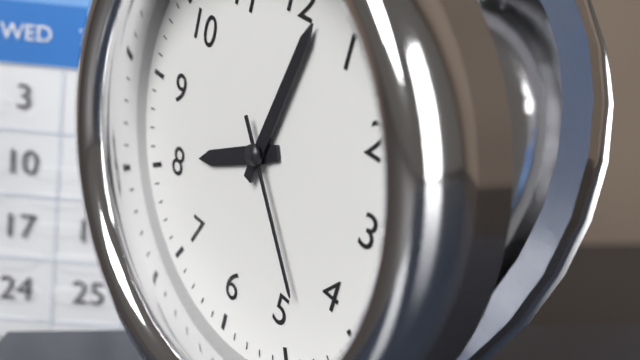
**8:02:23**
